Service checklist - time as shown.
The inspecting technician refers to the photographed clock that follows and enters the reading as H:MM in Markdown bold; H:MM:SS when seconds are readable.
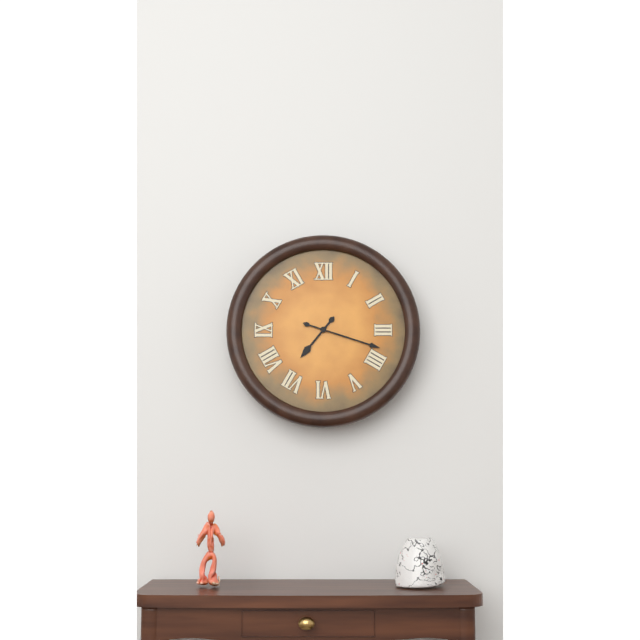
**7:18**
